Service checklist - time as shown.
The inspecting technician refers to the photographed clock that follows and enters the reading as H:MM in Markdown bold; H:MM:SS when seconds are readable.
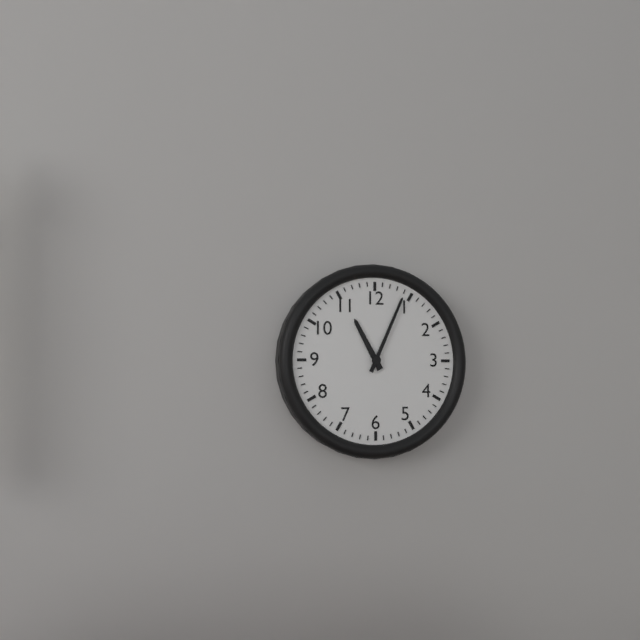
**11:04**
